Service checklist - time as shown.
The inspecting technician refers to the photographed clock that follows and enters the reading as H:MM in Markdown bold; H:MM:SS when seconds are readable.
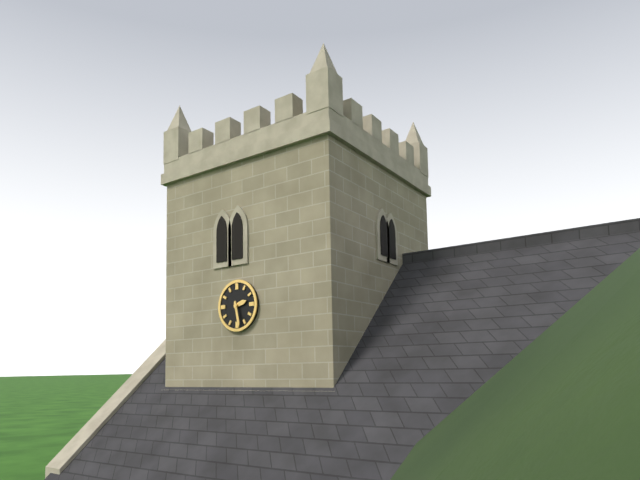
**2:28**
